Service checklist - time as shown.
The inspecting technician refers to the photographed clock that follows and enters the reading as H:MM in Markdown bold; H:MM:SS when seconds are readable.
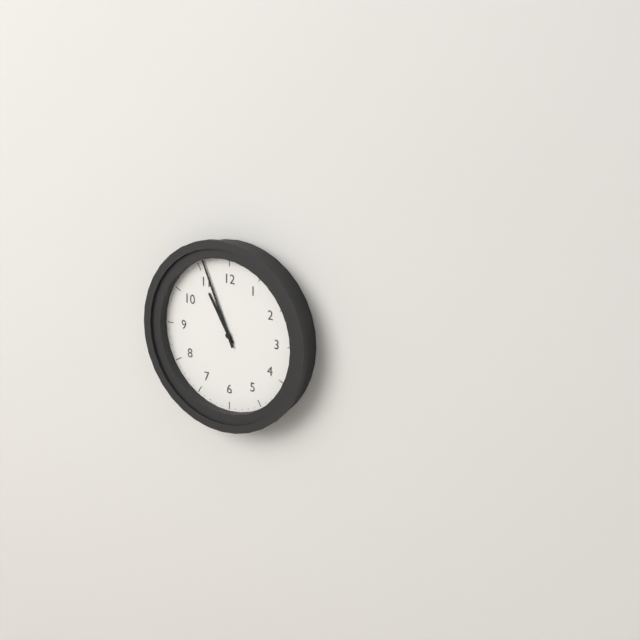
**10:56**
